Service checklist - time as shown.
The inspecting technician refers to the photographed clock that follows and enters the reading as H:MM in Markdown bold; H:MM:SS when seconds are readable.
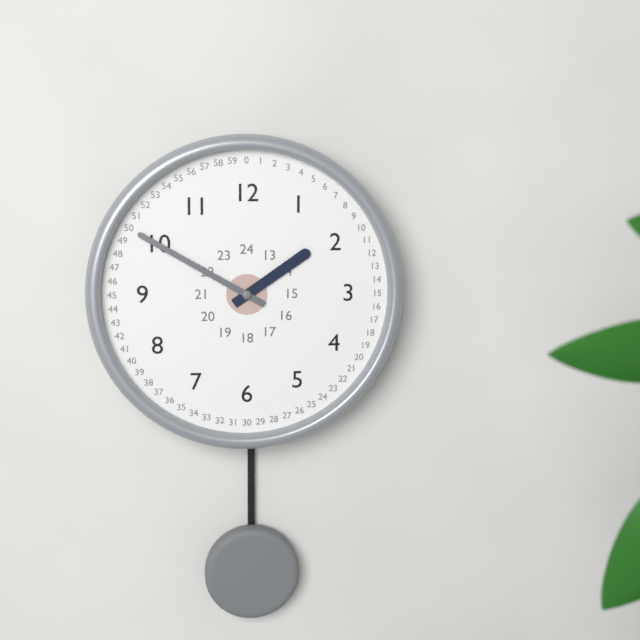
**1:50**
